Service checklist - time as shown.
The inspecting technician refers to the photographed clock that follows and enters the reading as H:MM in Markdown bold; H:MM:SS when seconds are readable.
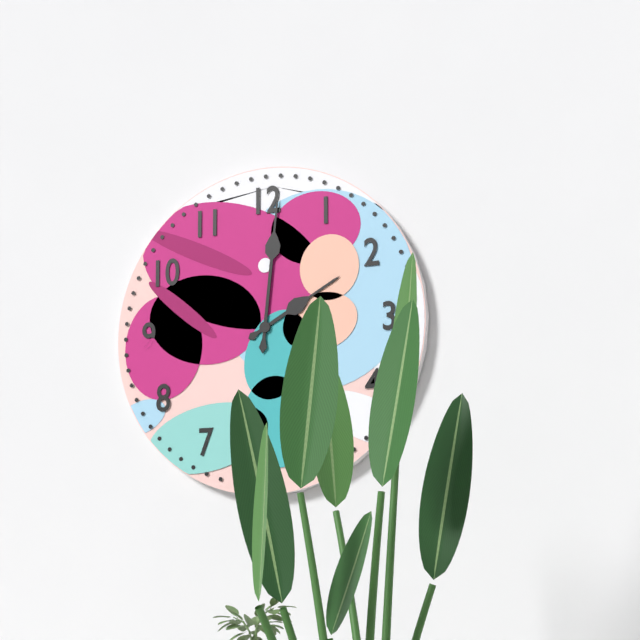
**2:01**
